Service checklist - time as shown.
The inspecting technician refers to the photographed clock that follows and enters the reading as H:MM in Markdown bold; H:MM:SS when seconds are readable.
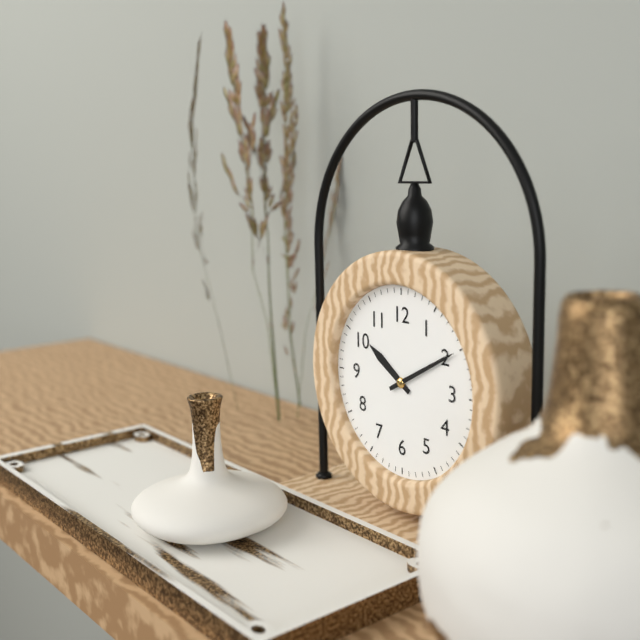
**10:10**
